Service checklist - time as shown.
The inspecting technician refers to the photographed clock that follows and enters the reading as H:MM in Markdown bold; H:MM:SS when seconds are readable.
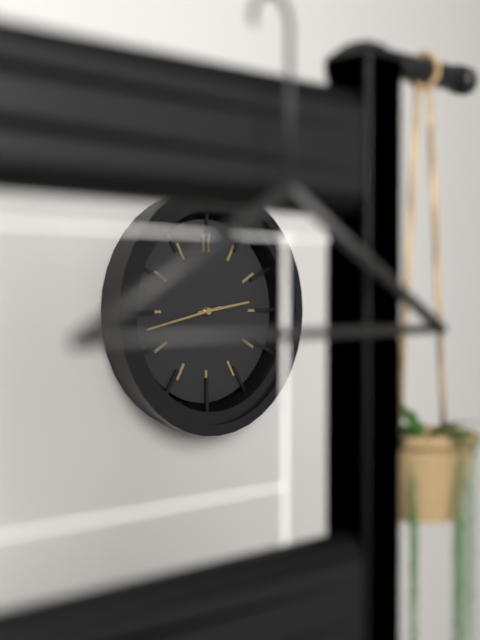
**2:43**
